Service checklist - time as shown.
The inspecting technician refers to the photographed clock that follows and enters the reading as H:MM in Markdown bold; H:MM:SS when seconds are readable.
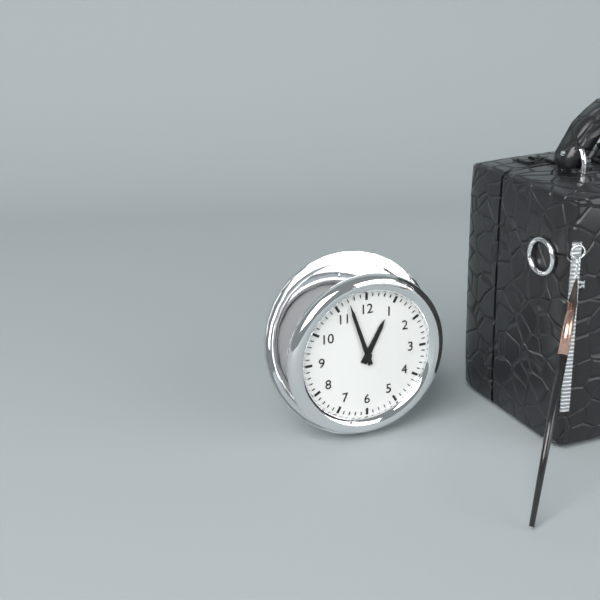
**12:57**
